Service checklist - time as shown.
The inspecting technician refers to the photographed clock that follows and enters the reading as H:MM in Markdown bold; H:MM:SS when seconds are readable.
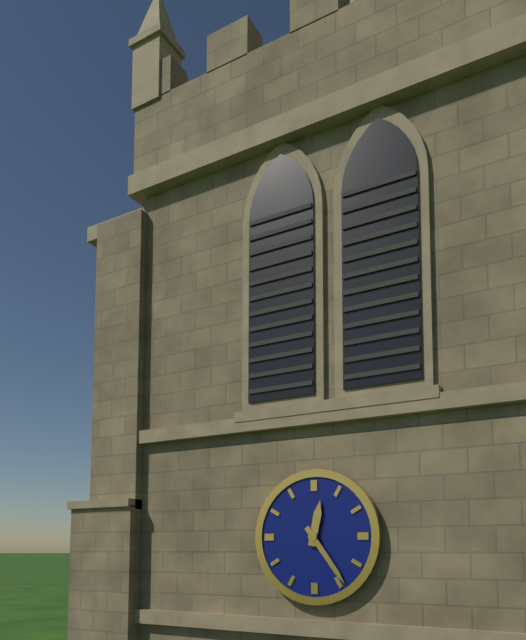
**12:24**
